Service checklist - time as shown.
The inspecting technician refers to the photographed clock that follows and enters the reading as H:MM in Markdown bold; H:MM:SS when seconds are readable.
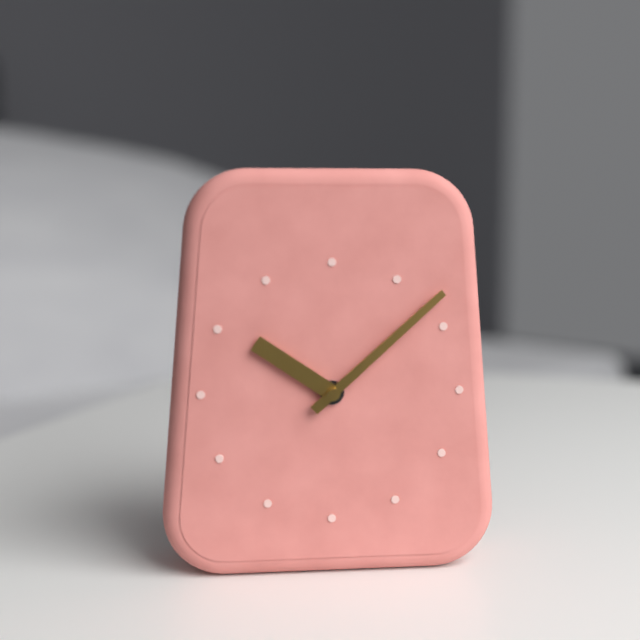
**10:08**
